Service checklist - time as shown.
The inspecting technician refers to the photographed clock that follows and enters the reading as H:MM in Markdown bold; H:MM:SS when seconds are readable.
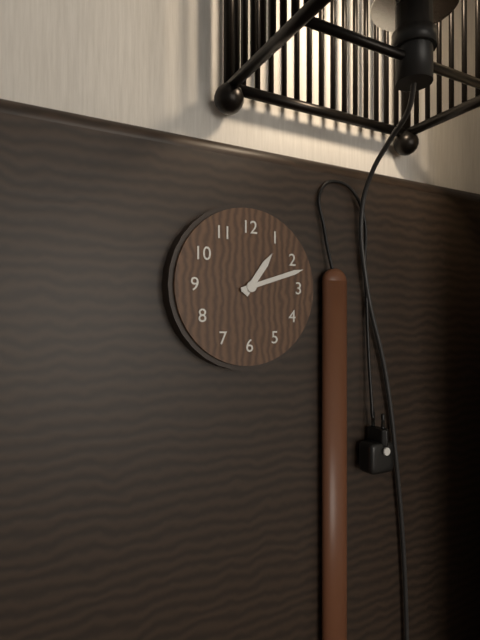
**1:12**
